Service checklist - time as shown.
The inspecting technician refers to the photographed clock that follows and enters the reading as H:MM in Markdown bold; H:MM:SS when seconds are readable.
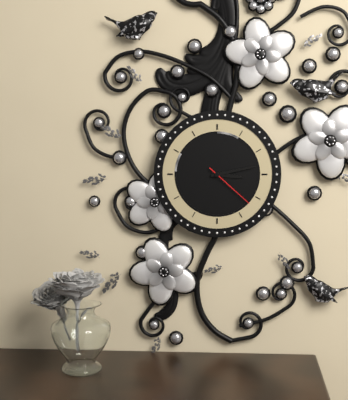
**3:13:22**
